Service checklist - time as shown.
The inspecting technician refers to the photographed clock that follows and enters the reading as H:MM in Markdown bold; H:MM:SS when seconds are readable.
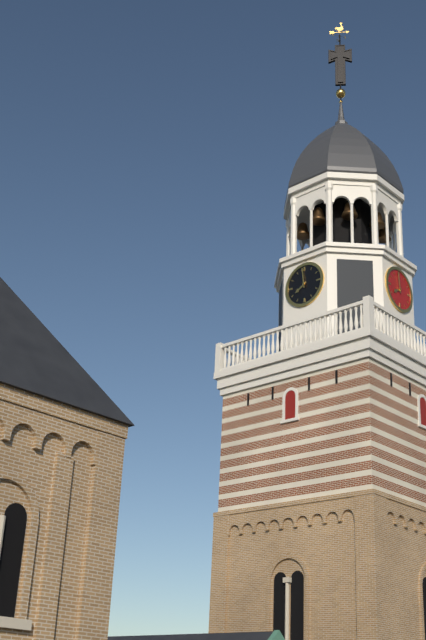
**7:59**
